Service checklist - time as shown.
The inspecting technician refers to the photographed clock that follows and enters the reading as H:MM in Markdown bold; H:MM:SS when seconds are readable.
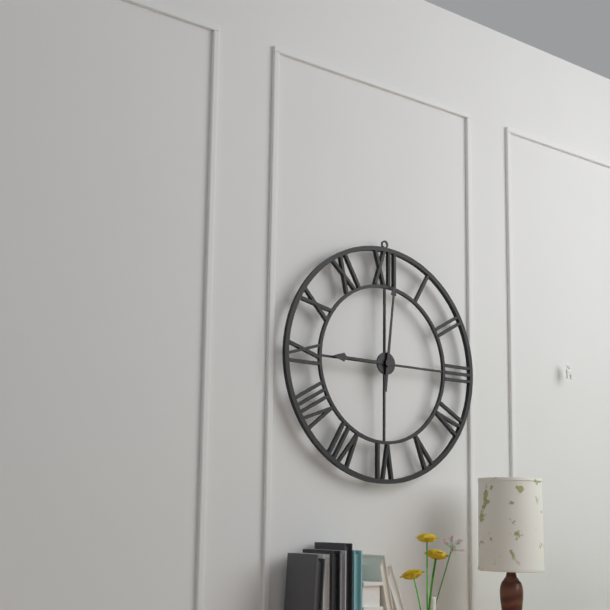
**9:01**
